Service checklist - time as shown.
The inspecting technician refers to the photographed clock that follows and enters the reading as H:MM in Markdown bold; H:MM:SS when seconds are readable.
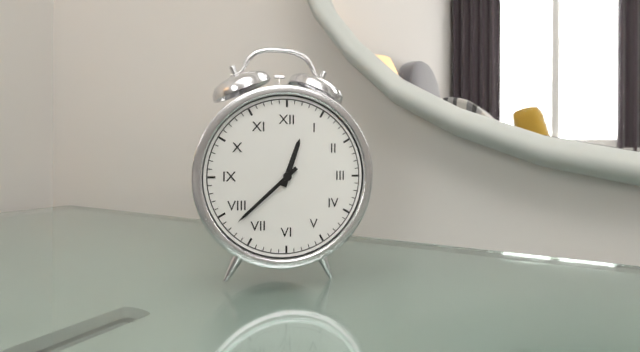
**12:38**
